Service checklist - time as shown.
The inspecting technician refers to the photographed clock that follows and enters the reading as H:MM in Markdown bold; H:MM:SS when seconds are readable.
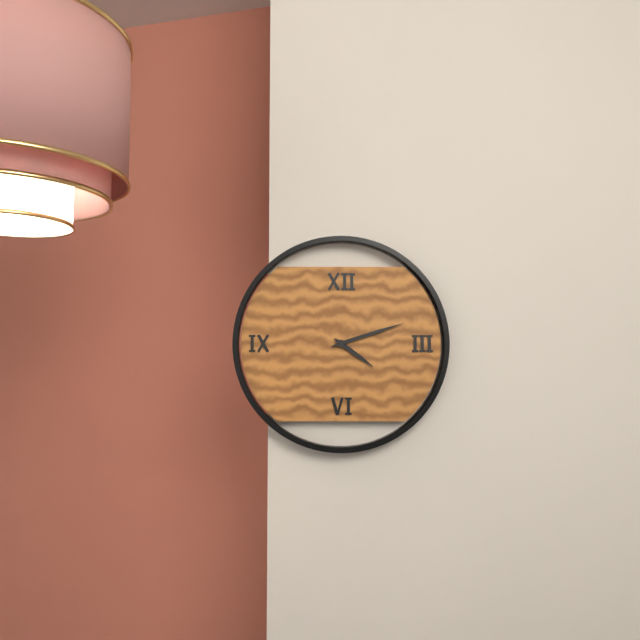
**4:12**
